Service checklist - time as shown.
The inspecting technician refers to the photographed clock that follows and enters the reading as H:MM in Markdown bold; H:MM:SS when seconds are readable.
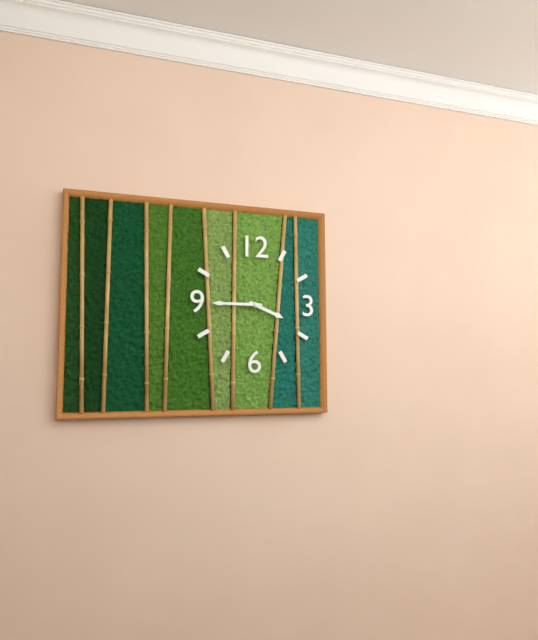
**3:45**
